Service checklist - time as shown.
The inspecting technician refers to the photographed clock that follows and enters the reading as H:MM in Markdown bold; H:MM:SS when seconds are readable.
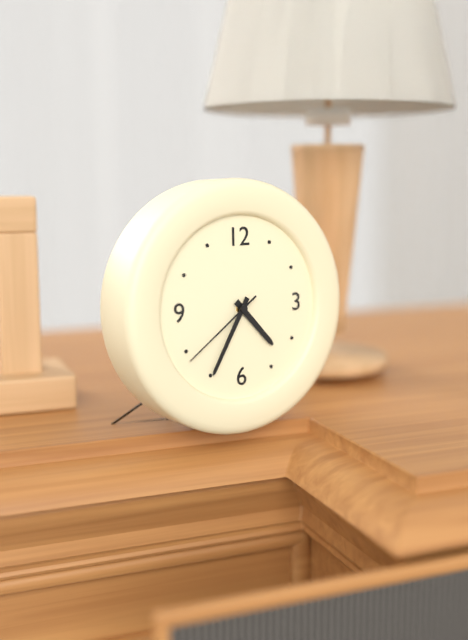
**4:35:39**
